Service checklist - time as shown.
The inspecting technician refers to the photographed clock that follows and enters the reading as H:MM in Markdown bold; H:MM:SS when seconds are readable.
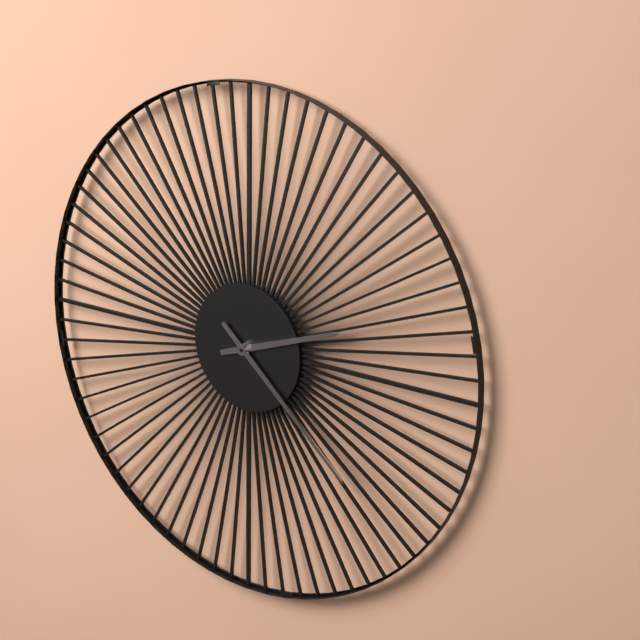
**2:22**
